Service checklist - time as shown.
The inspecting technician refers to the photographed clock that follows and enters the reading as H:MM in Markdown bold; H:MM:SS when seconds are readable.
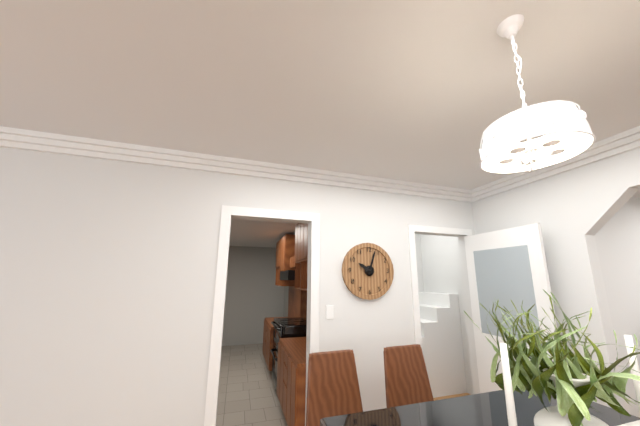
**10:03**
